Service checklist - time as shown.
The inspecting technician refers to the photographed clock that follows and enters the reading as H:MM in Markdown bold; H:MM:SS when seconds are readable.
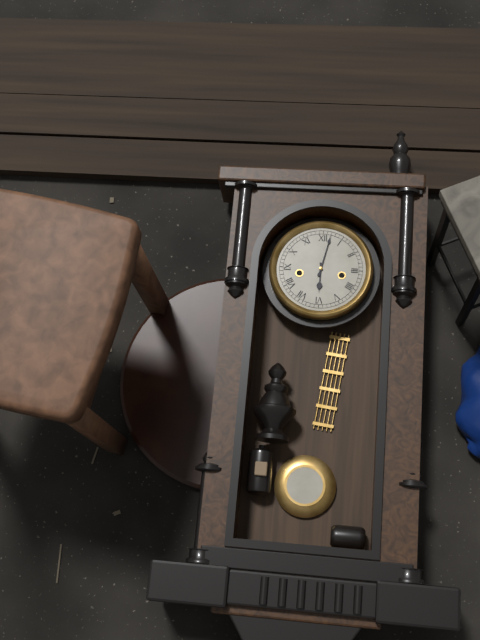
**6:02**
